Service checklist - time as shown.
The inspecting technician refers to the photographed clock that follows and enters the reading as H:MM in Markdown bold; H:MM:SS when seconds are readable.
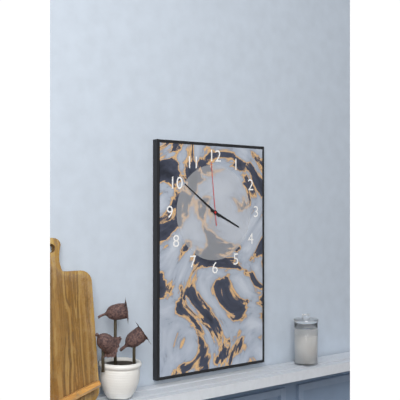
**3:51:59**
